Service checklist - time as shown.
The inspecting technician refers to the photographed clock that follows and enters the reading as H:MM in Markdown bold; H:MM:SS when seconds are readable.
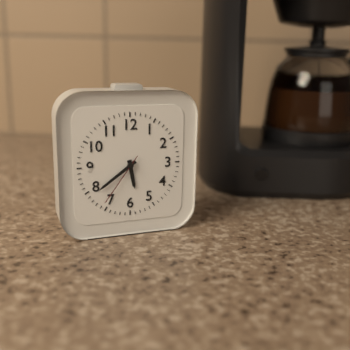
**5:39:36**
